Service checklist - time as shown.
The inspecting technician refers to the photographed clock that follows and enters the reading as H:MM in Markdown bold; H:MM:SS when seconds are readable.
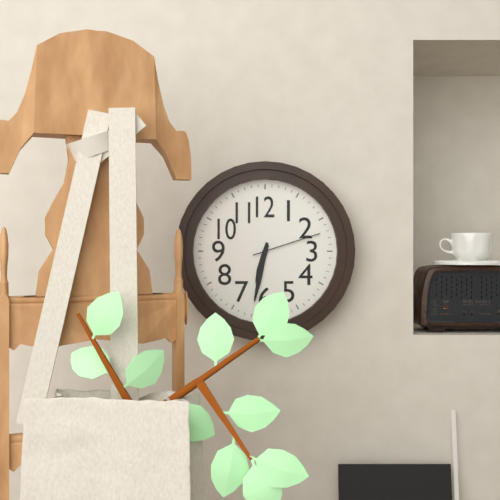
**6:32:12**
